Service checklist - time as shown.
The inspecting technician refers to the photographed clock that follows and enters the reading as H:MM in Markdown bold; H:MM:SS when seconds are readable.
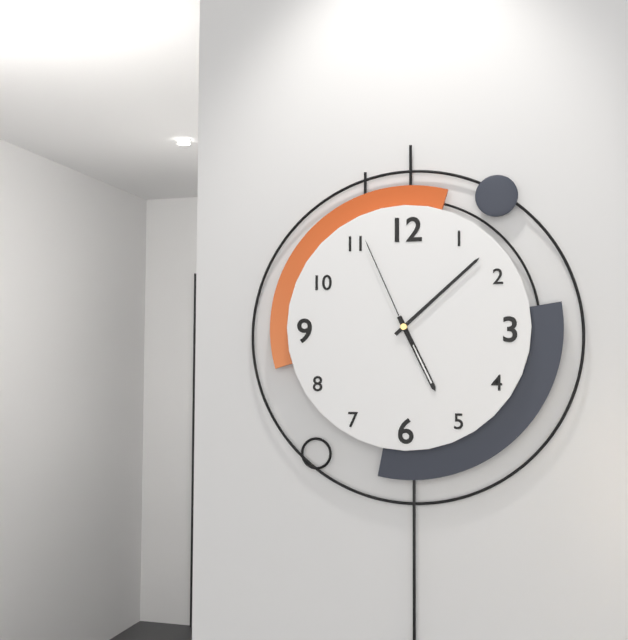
**5:08:56**
